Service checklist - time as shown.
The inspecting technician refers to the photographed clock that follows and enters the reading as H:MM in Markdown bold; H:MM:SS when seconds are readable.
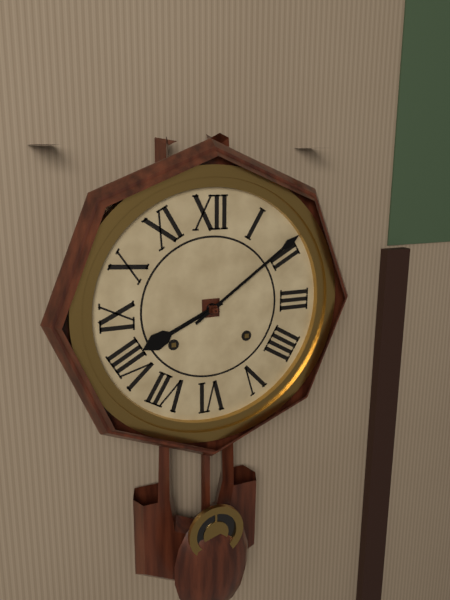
**8:09**
